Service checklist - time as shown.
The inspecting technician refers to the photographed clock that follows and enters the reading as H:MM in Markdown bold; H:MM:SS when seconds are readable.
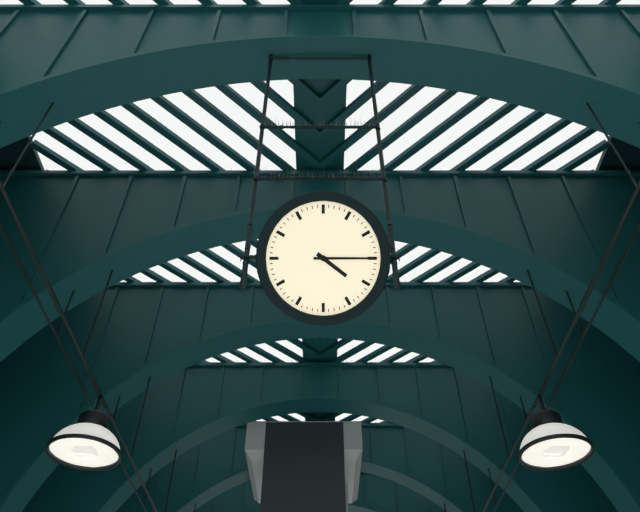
**4:15**
